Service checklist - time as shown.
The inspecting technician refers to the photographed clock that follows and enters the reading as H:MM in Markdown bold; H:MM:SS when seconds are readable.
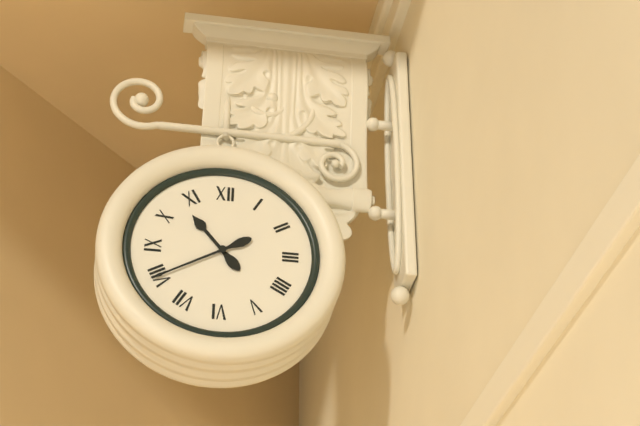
**10:40**
